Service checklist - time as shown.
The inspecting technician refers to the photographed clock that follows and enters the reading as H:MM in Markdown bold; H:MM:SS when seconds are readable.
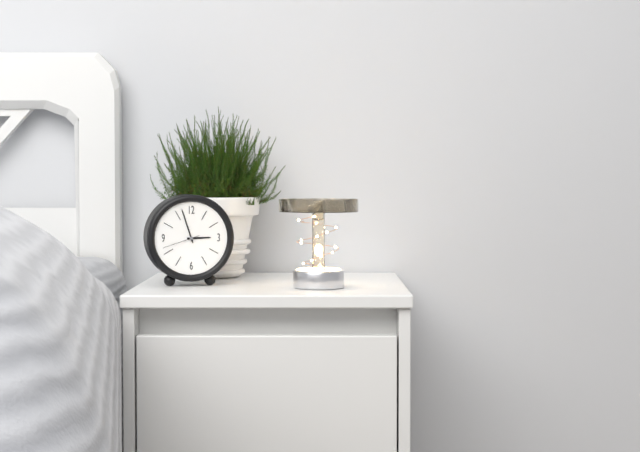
**2:57**
